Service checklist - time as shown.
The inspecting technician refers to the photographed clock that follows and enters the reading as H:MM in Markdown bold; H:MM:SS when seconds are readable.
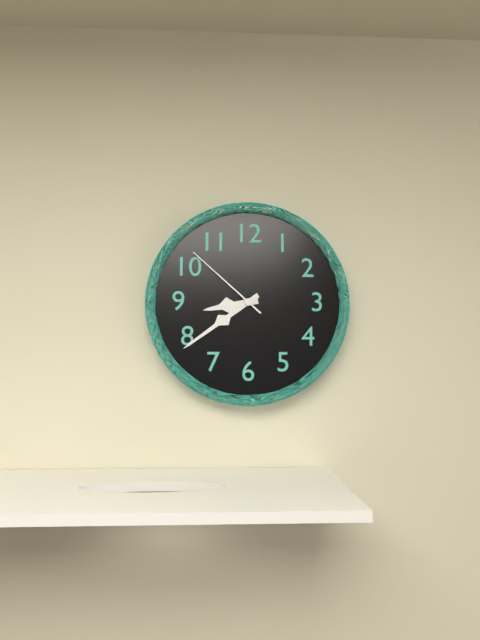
**8:39:52**
